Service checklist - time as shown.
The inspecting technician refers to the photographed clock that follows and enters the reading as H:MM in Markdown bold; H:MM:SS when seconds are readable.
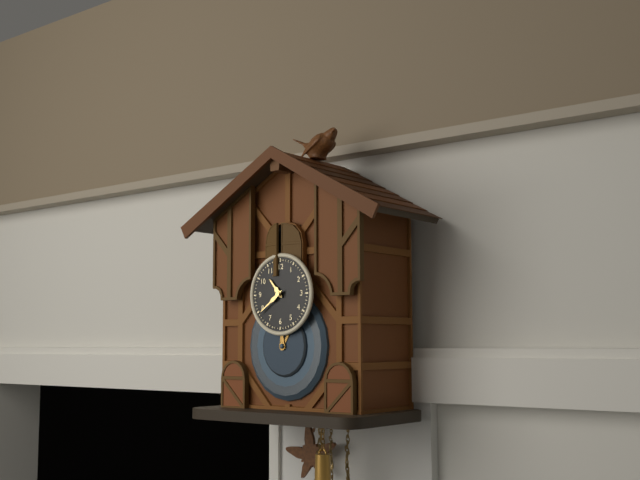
**10:39**
